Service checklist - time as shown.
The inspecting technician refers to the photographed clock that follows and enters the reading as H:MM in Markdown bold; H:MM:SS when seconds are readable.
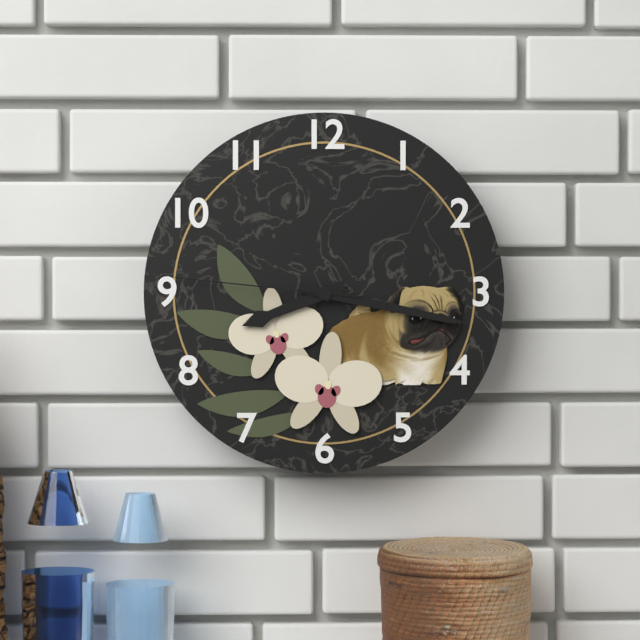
**8:17:46**
